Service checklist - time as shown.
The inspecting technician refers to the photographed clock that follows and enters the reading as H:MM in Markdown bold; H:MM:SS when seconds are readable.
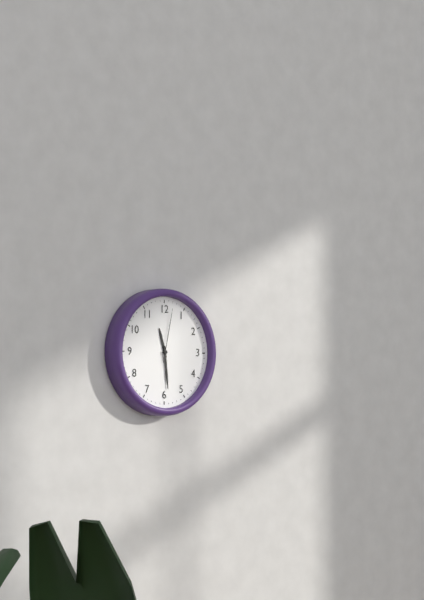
**11:29:02**
